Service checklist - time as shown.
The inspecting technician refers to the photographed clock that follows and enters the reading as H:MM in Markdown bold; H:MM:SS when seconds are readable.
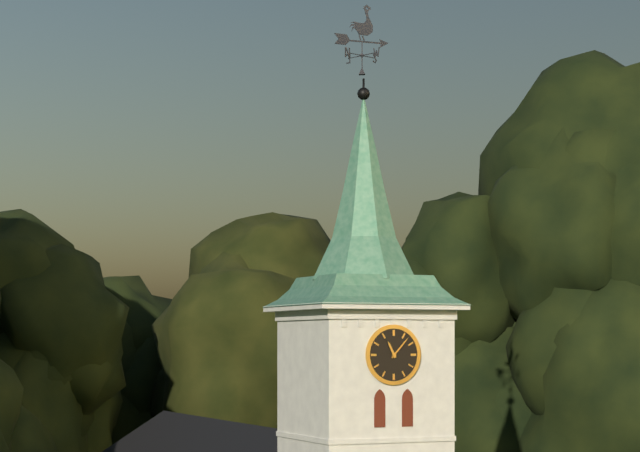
**11:07**
